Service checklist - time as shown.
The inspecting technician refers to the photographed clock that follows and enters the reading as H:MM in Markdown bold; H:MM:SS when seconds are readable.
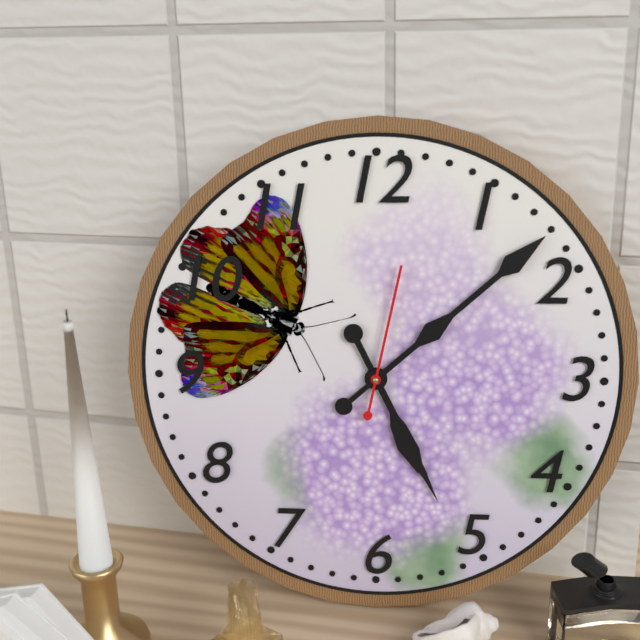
**5:08:02**
